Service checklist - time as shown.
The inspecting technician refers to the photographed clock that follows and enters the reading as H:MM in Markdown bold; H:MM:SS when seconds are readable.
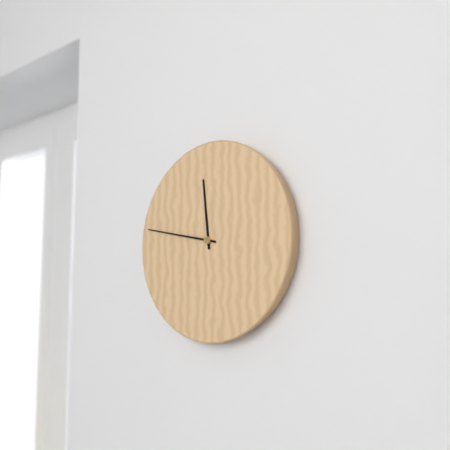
**11:47**
